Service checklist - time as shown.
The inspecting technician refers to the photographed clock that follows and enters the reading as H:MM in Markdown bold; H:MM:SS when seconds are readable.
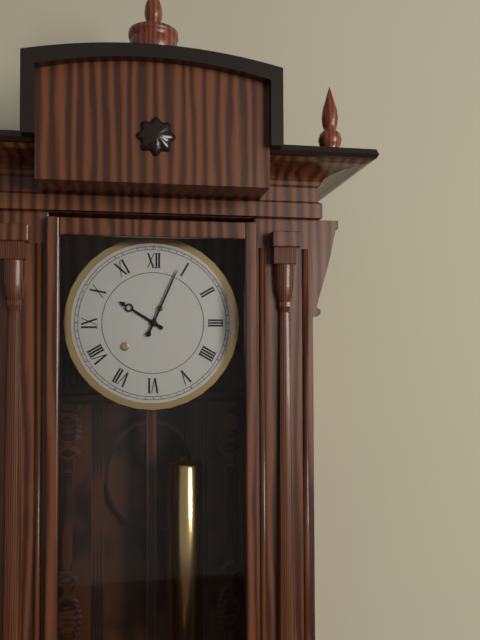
**10:04**
